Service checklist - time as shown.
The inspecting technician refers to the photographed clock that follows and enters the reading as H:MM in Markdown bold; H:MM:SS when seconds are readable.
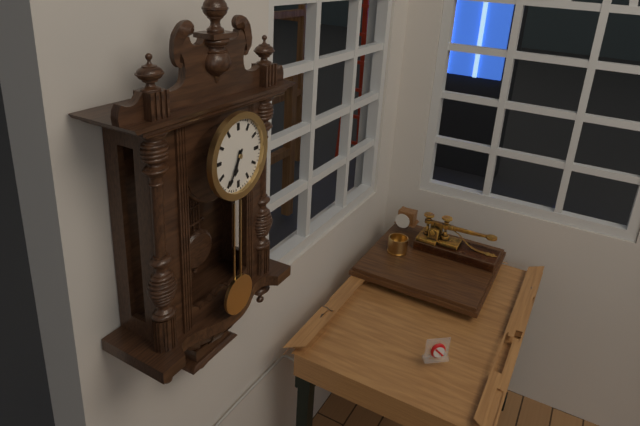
**6:35**
